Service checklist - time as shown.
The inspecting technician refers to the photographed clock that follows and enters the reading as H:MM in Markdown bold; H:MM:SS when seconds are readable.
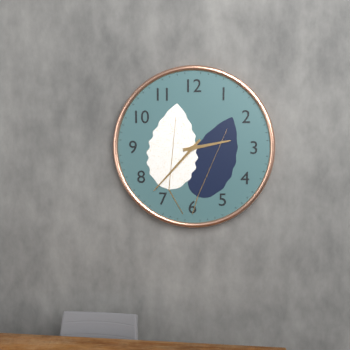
**2:37**
